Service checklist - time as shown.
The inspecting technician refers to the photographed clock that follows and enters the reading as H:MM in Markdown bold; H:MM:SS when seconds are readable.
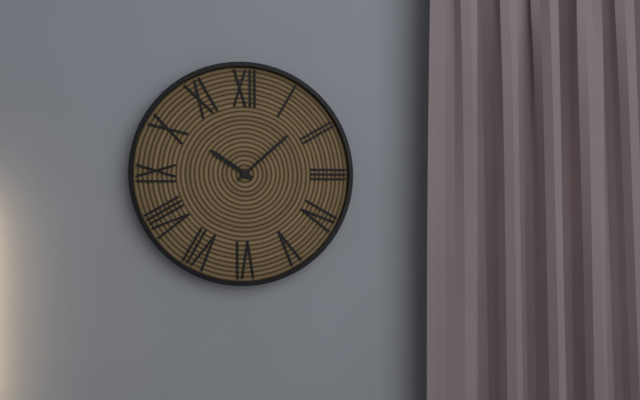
**10:08**
